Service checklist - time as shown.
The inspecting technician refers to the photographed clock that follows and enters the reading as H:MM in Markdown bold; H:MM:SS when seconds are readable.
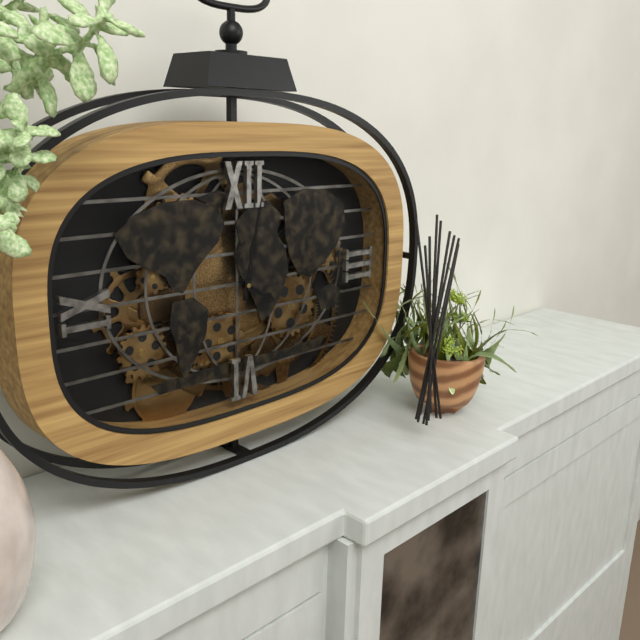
**4:02**
